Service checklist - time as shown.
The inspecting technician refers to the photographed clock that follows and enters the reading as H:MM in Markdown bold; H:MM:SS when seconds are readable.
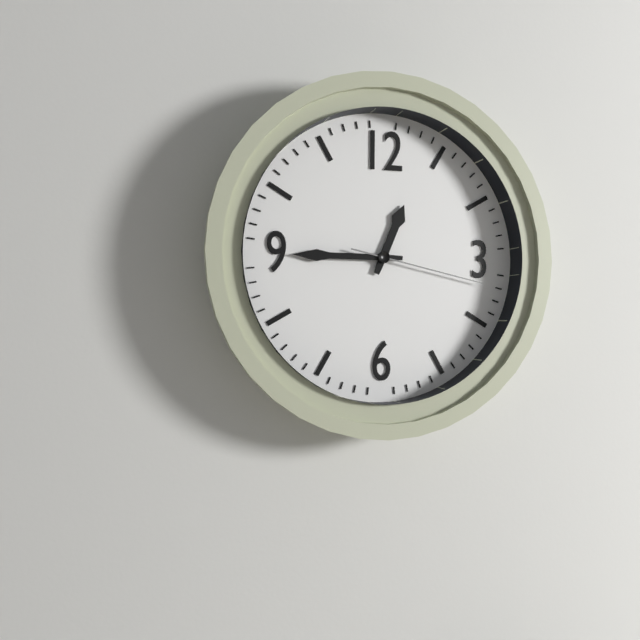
**12:45:17**
